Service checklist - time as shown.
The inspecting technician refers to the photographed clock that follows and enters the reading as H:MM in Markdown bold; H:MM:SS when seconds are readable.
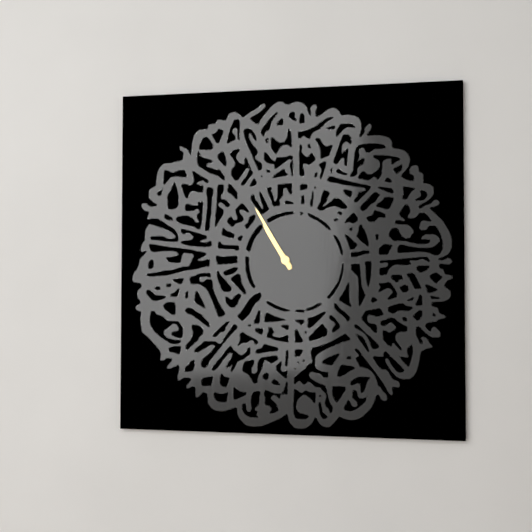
**10:55**
